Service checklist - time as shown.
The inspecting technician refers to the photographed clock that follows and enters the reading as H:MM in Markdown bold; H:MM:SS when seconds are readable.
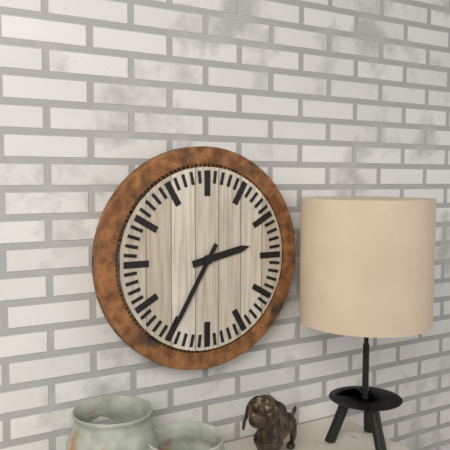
**2:35**
